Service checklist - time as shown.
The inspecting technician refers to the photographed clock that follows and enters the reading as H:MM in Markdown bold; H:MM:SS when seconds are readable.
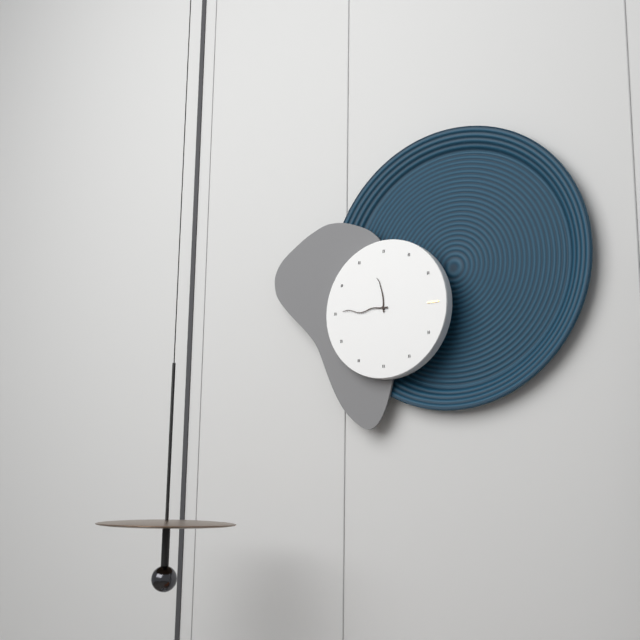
**11:45**
